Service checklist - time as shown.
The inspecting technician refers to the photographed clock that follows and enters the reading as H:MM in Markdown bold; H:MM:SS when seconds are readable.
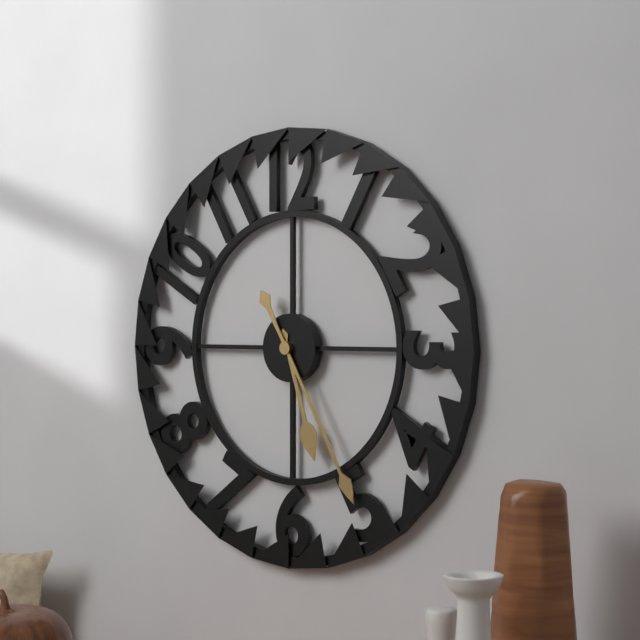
**5:25**
